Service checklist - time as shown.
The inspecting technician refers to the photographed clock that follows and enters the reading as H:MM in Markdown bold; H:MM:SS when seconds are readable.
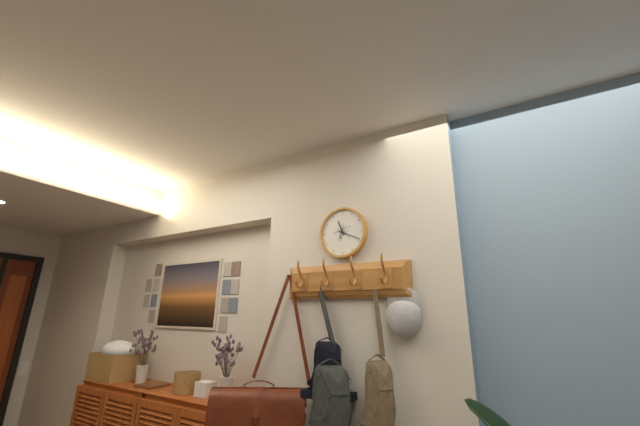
**11:19**
